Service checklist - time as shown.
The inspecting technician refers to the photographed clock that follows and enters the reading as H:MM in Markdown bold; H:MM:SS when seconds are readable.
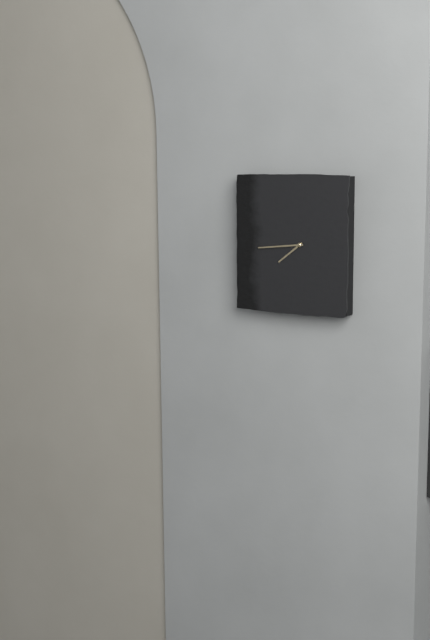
**7:44**
